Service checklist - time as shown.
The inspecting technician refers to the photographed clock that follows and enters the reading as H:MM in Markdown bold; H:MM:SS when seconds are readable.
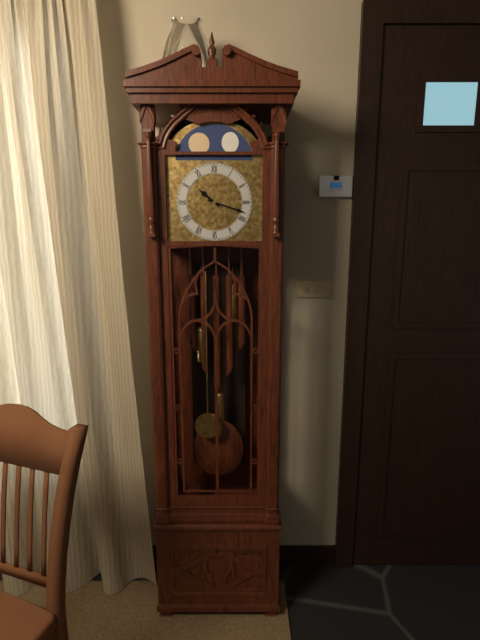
**10:18**
